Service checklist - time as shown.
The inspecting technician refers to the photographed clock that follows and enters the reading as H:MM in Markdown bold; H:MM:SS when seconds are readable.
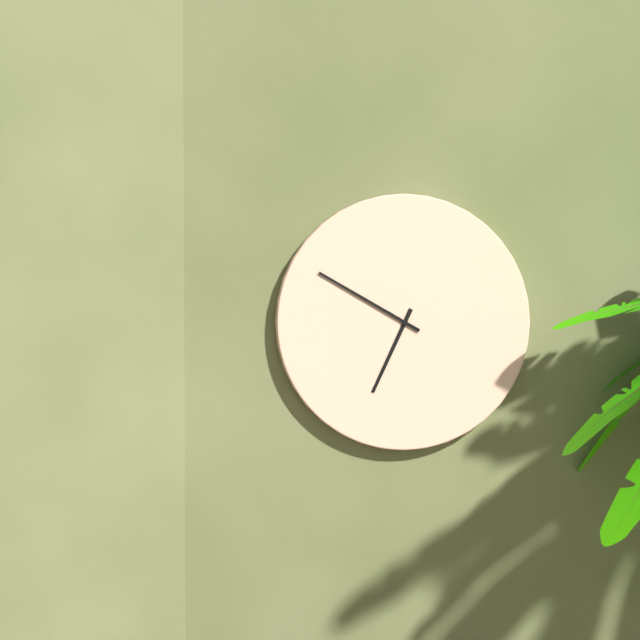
**6:50**
